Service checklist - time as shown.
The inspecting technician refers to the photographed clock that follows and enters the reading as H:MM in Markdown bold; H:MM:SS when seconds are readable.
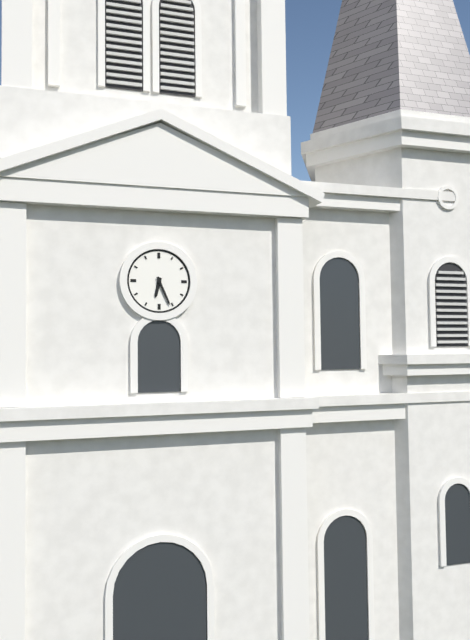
**6:26**
